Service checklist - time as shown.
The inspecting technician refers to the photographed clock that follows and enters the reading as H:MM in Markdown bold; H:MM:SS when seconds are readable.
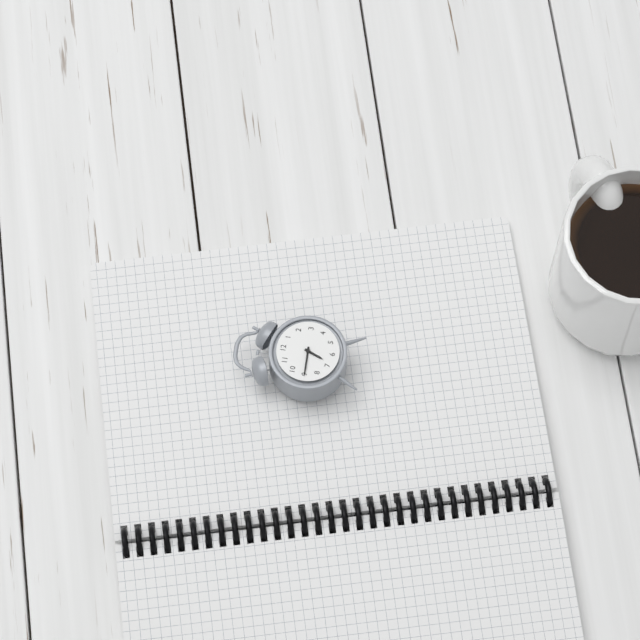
**6:45**
